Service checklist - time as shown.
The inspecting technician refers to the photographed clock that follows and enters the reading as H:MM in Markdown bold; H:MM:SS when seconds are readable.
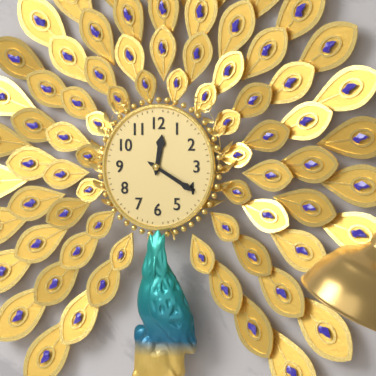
**12:20**
